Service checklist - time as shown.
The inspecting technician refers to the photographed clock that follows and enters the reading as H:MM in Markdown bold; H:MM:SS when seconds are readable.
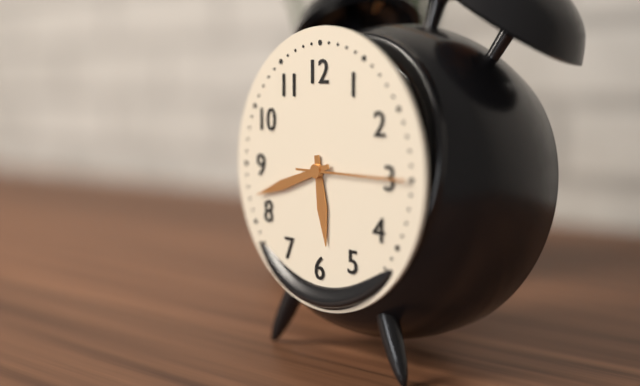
**5:42:15**
